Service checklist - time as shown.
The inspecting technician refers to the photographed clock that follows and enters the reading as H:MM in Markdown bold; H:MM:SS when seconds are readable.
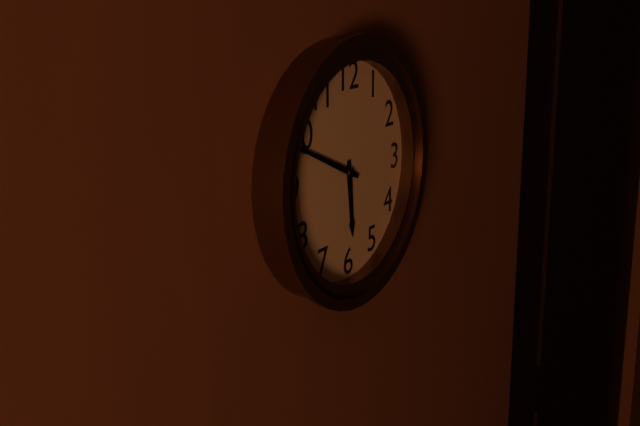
**5:49**
